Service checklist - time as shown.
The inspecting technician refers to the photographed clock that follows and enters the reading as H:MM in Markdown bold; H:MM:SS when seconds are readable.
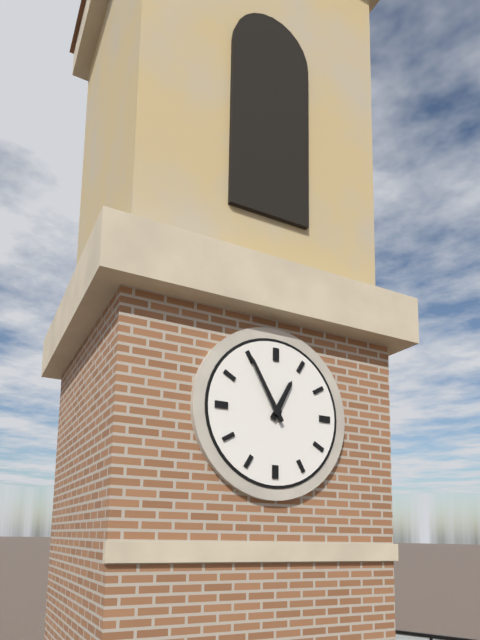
**12:55**
